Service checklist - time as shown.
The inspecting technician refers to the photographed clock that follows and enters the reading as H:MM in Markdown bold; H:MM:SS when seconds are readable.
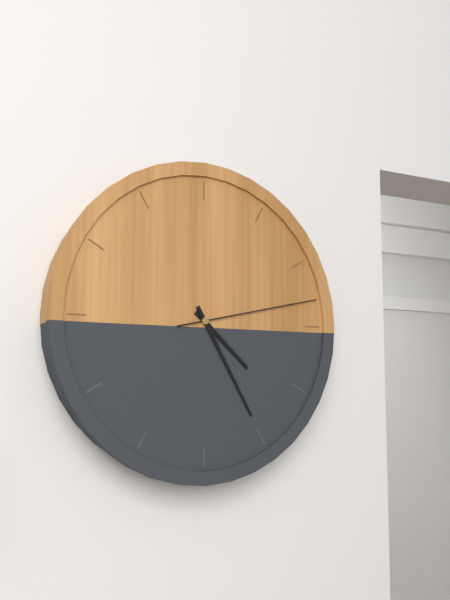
**4:25:13**
